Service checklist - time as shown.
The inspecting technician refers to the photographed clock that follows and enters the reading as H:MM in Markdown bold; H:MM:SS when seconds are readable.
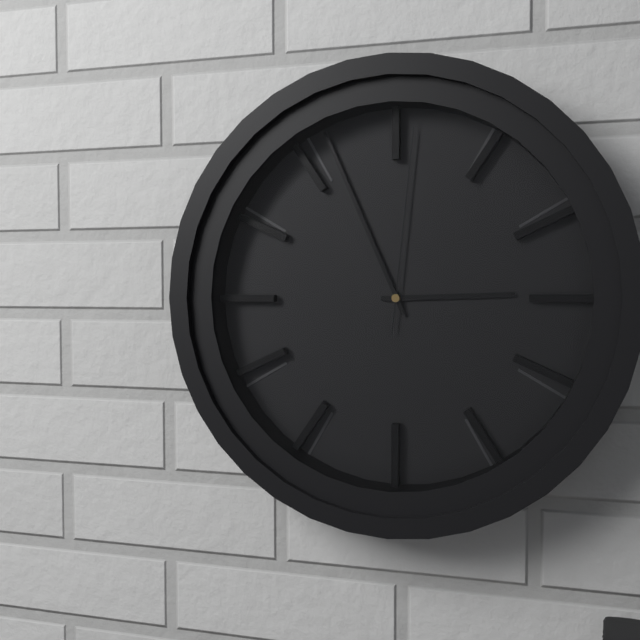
**2:56:01**
